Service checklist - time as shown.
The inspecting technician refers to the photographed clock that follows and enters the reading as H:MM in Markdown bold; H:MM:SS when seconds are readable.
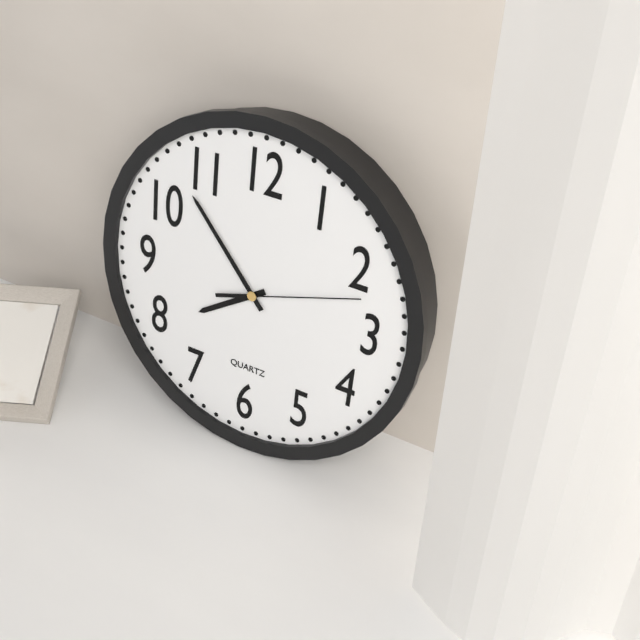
**7:53:12**
